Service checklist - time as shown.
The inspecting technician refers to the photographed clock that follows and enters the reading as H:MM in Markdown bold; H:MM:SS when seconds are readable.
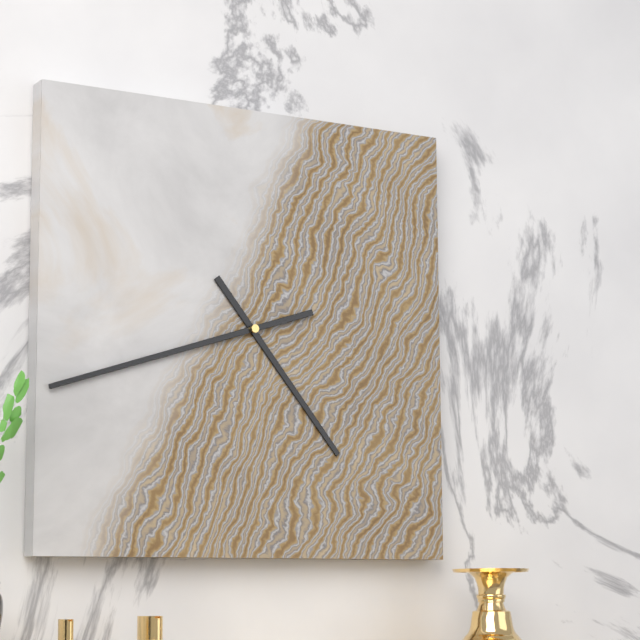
**4:42**
